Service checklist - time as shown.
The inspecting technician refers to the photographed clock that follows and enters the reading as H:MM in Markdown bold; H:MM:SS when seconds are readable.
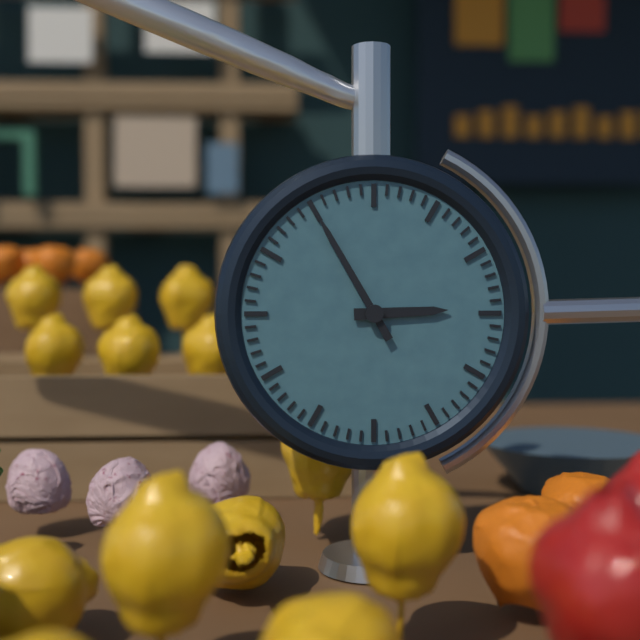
**2:55**
